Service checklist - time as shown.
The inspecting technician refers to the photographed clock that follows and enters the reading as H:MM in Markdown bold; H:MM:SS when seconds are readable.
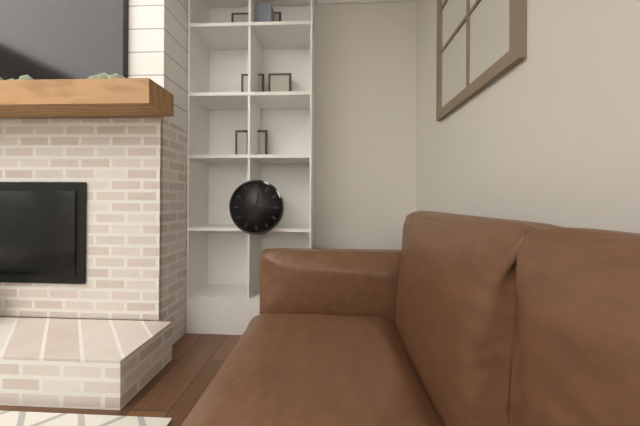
**12:15**
